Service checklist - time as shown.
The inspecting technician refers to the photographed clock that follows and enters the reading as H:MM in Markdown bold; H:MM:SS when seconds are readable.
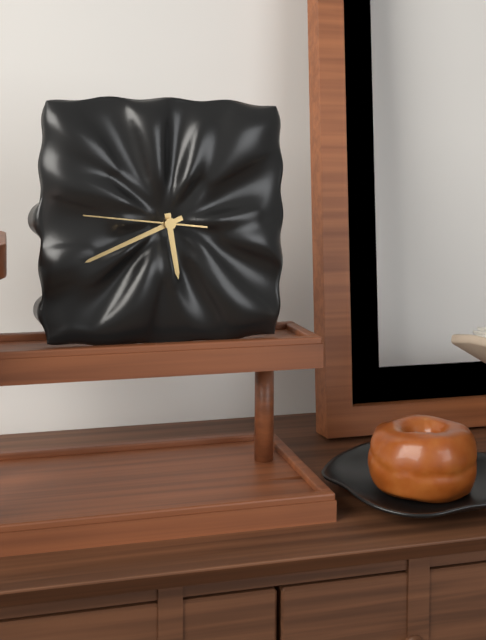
**5:41:46**
